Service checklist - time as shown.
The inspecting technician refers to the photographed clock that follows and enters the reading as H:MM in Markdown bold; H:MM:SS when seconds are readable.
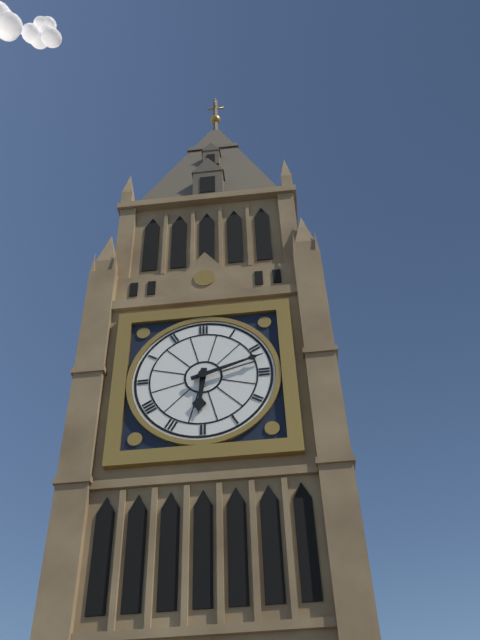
**6:12**
